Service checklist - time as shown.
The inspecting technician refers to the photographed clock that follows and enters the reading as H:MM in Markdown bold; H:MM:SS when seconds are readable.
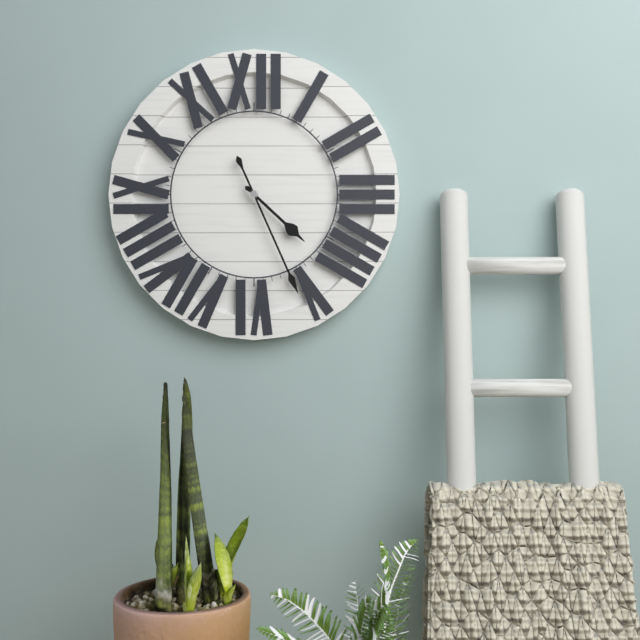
**4:26**
